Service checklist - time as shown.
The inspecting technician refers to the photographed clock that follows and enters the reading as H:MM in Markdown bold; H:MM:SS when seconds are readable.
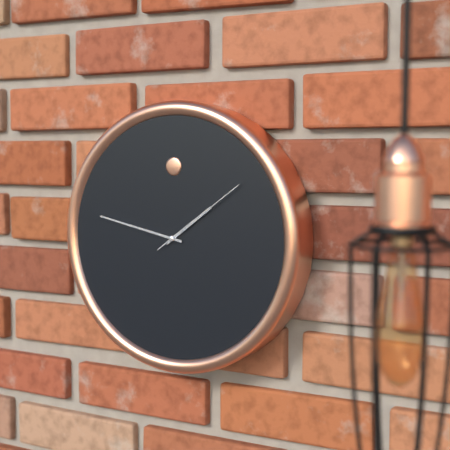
**1:47:09**
